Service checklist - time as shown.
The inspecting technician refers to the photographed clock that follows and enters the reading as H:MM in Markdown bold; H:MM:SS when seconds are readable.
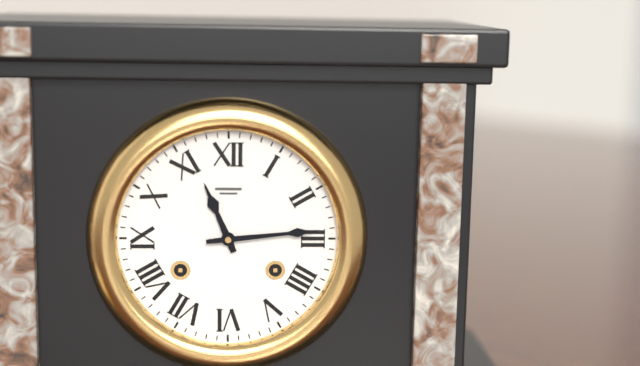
**11:14**
